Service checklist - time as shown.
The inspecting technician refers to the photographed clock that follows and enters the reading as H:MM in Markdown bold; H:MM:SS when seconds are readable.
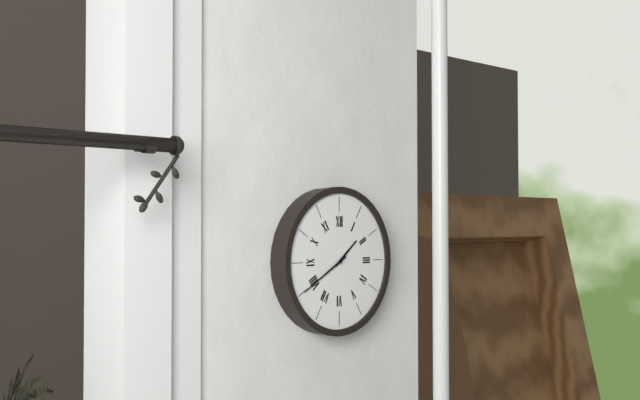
**1:40**
